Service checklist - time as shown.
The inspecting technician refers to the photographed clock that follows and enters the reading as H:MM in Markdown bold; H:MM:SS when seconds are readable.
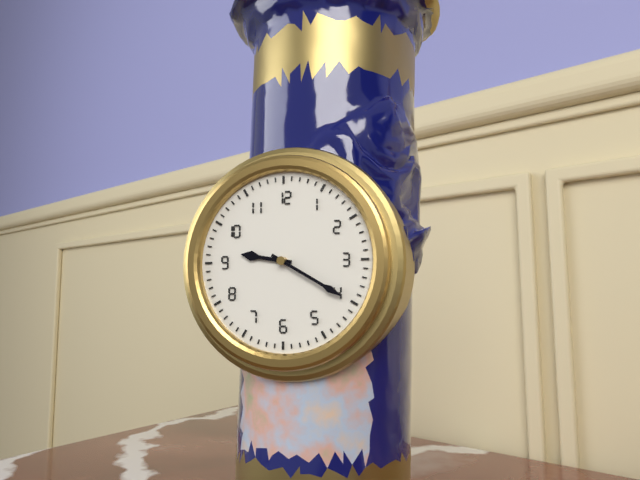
**9:20**
